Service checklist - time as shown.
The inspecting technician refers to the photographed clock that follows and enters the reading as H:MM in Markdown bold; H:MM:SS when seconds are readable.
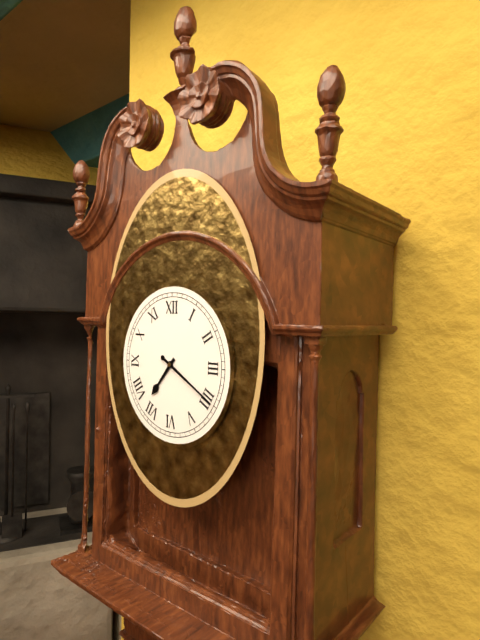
**7:20**
